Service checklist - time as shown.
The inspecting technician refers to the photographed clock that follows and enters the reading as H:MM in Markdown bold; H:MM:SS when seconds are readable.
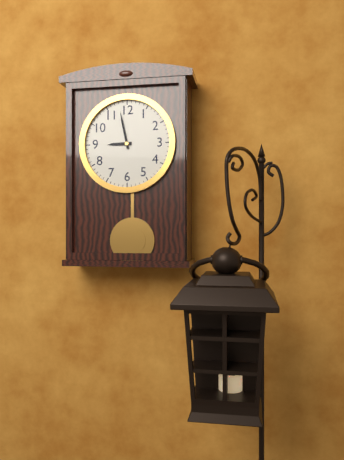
**8:58**
